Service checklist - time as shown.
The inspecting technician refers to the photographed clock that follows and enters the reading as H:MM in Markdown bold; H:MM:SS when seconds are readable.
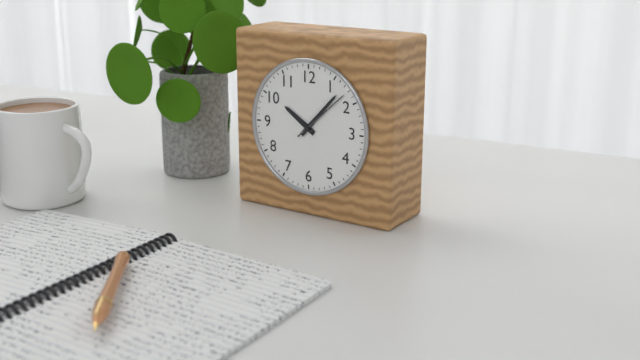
**10:07:08**
